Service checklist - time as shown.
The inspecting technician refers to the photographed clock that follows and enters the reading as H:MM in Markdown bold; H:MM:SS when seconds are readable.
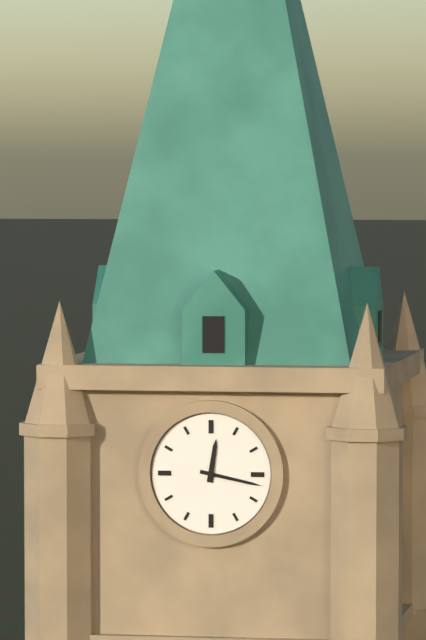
**12:17**
